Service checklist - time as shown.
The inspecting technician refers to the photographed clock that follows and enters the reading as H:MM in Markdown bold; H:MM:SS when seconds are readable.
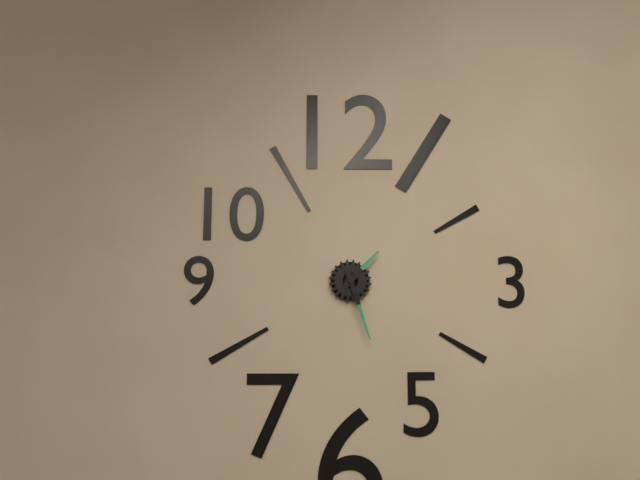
**1:27**
